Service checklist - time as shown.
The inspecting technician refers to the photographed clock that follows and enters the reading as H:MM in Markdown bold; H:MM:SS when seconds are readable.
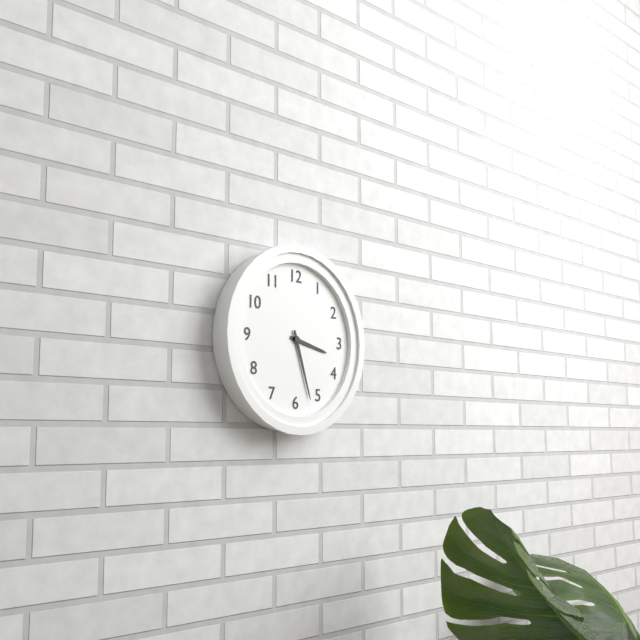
**3:27**
